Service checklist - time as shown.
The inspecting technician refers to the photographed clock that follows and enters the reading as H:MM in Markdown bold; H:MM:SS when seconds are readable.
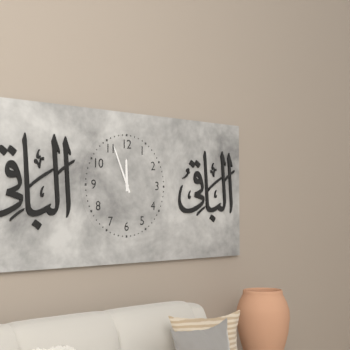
**11:56**
